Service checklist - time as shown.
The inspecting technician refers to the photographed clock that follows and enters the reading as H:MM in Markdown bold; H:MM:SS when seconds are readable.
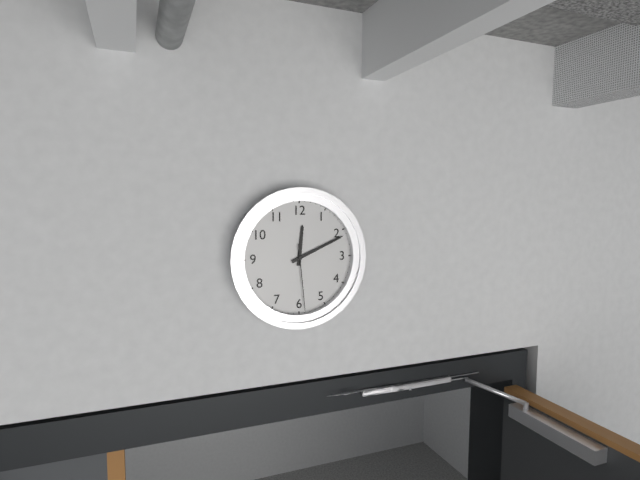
**12:11:29**
